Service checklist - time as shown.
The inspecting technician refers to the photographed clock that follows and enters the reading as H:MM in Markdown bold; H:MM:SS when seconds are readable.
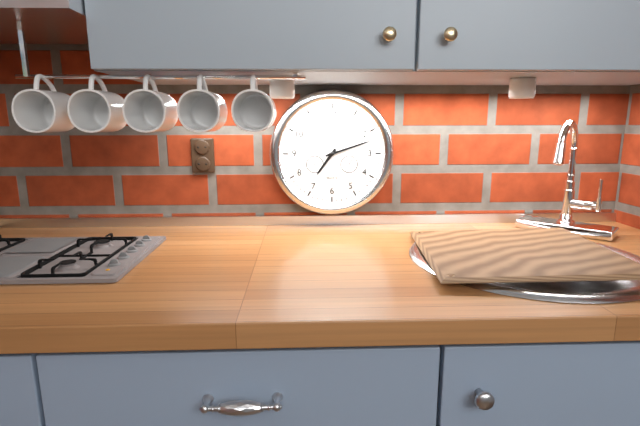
**7:12**
